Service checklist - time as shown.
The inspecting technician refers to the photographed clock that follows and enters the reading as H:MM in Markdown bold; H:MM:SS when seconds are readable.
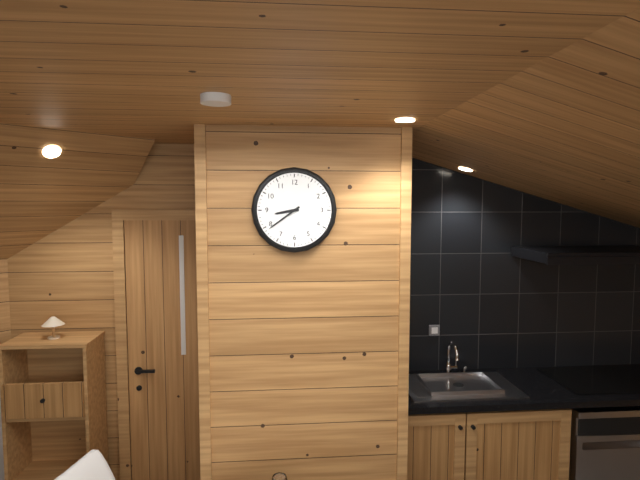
**8:39**
